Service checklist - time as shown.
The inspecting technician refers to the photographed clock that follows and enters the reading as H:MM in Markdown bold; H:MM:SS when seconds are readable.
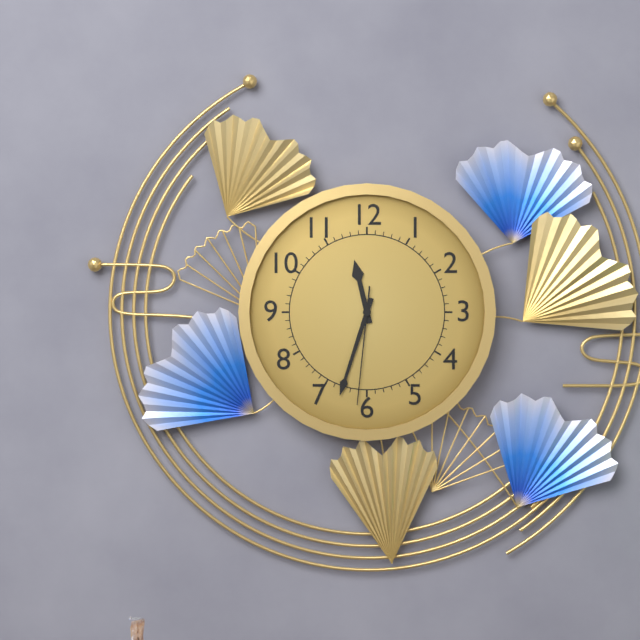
**11:33:31**
